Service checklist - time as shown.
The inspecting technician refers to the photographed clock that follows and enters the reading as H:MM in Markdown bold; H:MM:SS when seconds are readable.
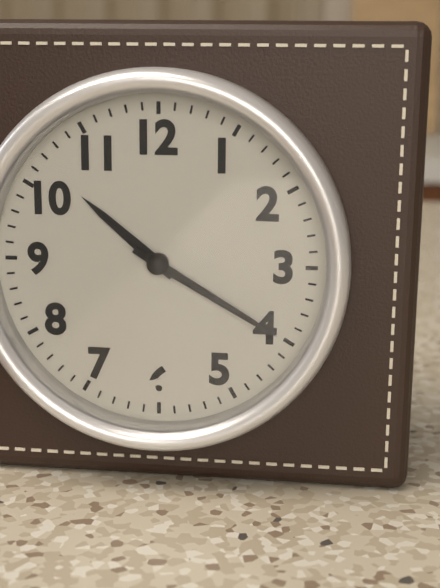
**10:20**
